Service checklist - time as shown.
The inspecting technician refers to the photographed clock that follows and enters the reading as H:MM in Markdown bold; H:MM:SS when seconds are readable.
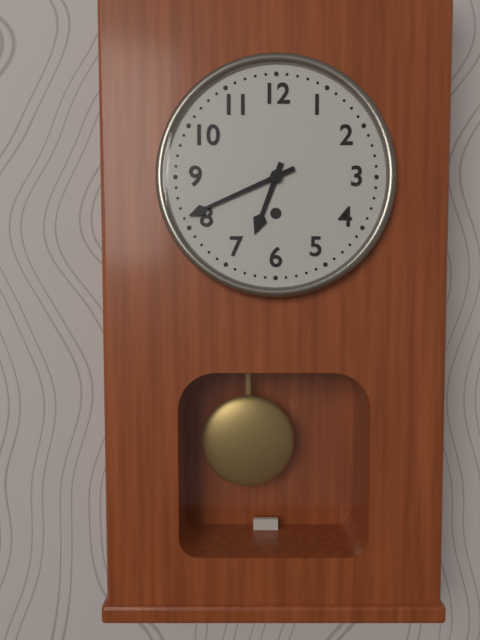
**6:41**
